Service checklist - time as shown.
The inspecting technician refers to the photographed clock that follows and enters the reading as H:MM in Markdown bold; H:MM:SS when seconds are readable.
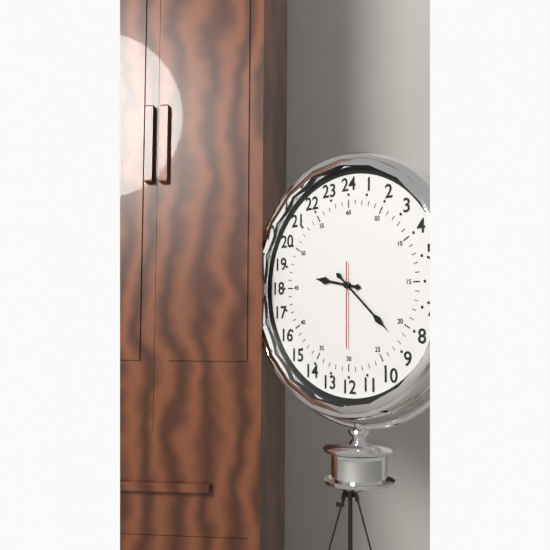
**9:22:30**
